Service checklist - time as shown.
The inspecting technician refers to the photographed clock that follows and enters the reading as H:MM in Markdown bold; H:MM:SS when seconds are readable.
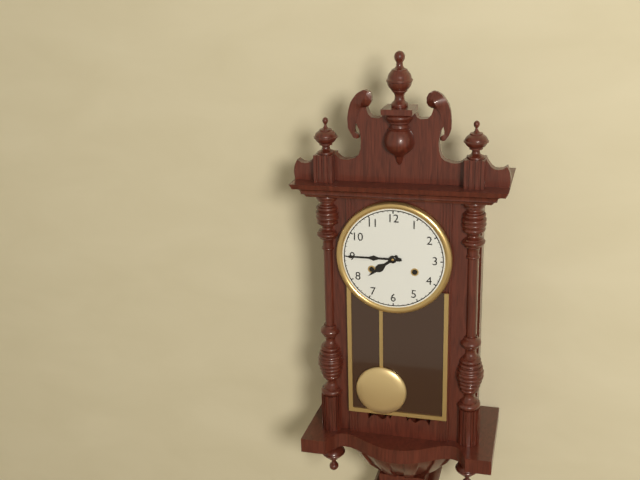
**7:45**
